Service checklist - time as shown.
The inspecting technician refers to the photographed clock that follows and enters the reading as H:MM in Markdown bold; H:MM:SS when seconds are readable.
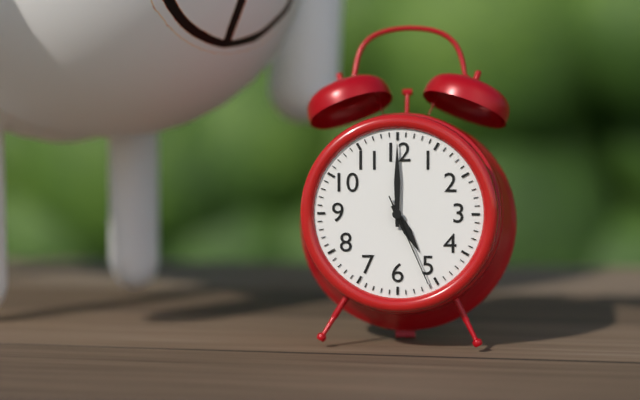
**5:00:26**
